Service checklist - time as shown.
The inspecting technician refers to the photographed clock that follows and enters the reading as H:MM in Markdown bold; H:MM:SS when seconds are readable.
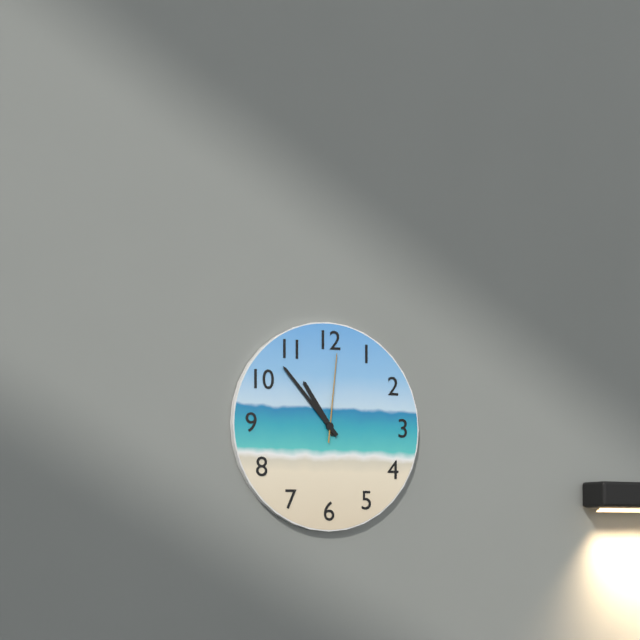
**10:53:01**
